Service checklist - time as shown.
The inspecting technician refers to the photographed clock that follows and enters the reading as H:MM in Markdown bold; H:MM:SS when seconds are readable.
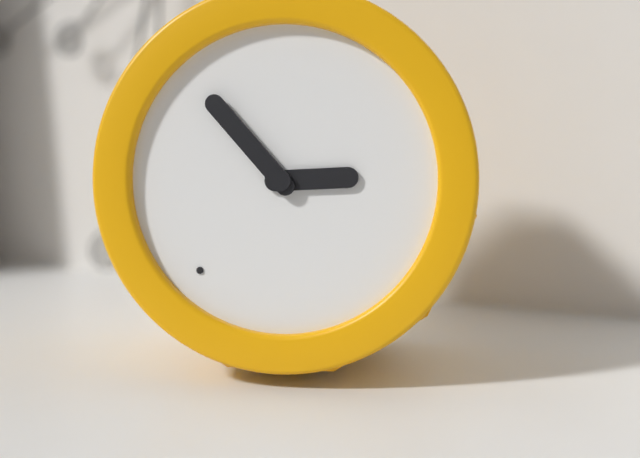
**2:53**
